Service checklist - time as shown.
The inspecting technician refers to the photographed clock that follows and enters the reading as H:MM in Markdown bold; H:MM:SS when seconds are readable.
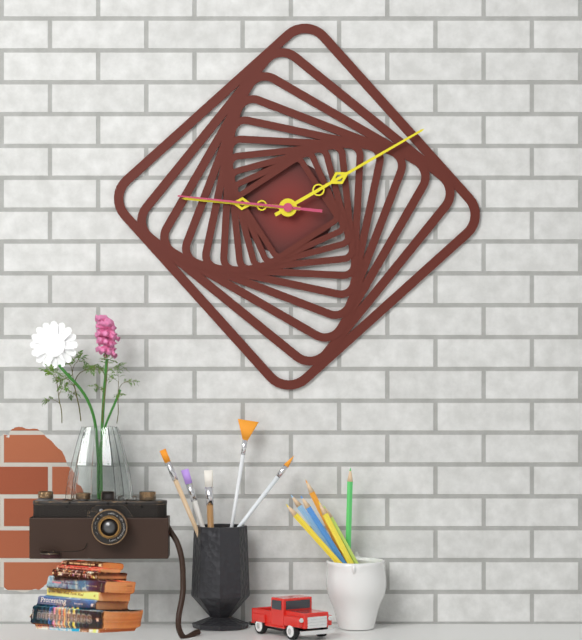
**9:10:46**
